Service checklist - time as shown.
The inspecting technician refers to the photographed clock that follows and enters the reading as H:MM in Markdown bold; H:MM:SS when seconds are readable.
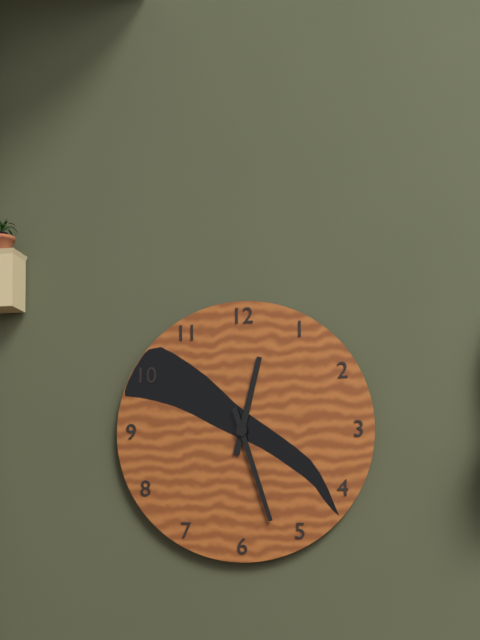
**12:27**
